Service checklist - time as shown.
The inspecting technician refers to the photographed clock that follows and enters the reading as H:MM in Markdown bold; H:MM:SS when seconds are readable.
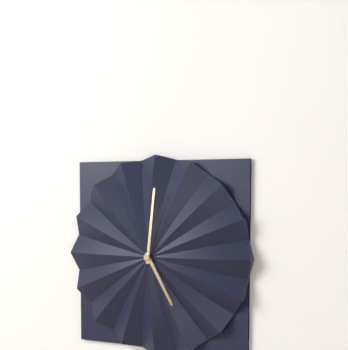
**5:01**
